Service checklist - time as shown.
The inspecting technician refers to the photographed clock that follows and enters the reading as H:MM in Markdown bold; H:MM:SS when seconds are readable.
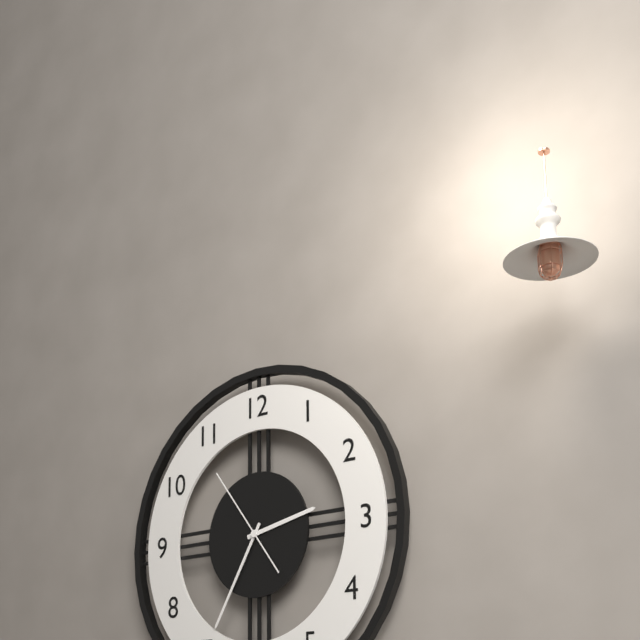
**2:35:54**
